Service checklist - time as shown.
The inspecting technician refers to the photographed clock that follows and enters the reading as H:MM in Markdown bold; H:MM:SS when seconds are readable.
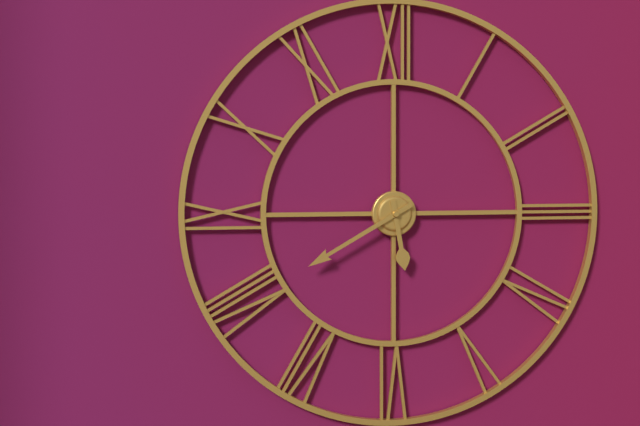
**5:40**
